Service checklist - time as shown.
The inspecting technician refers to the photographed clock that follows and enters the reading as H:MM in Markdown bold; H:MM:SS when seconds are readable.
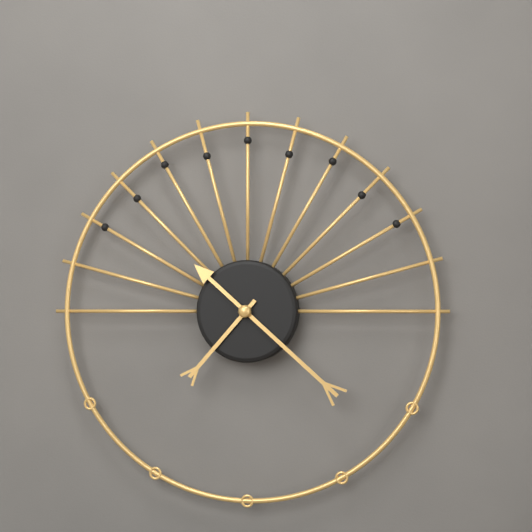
**7:22**
